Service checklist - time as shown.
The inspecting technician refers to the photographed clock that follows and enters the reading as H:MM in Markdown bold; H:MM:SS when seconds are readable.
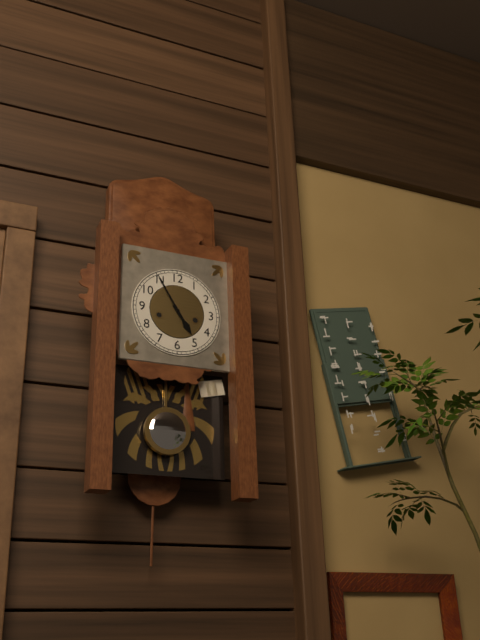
**4:55**
